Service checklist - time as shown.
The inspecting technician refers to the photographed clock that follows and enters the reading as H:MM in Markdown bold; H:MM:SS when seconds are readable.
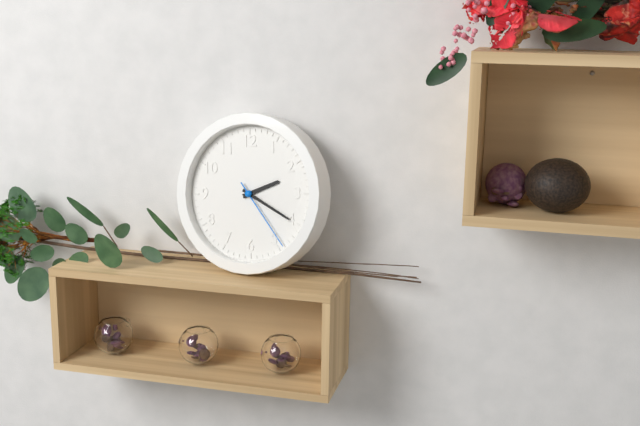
**2:20:24**
